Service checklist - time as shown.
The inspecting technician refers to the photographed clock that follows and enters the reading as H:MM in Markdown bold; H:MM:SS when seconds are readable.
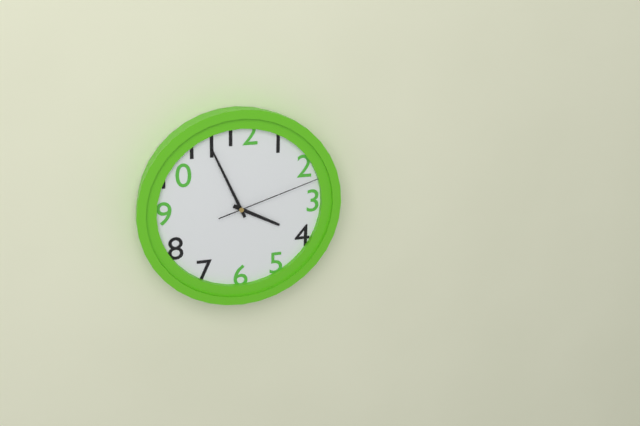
**3:56:12**
